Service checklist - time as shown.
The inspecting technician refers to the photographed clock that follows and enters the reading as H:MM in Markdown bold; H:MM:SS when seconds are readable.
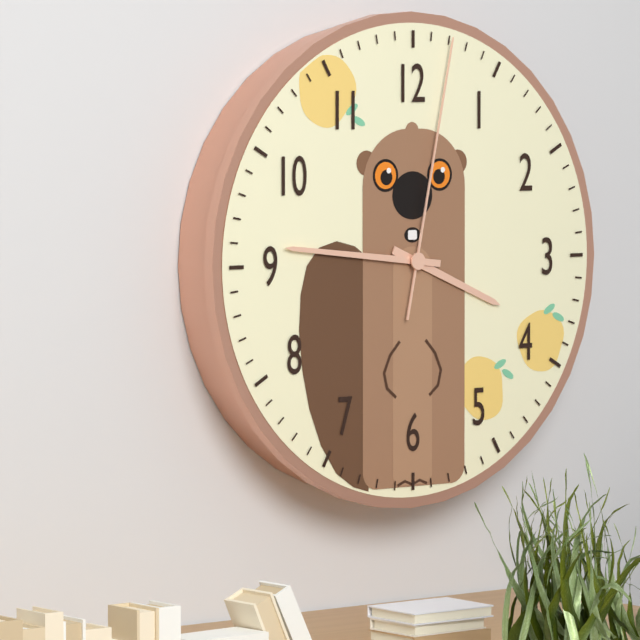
**3:46:02**
